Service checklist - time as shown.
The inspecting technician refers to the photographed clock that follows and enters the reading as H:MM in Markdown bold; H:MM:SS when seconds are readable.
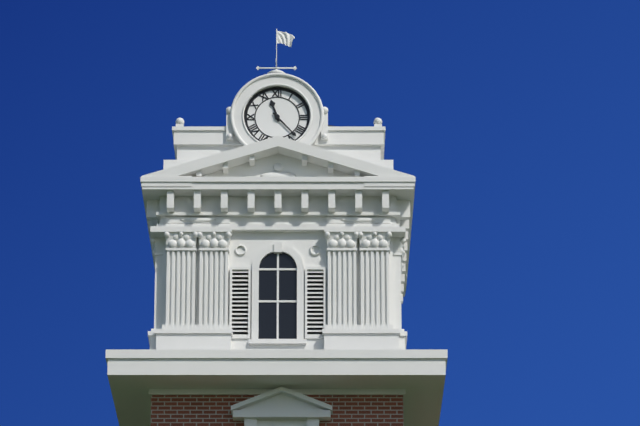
**11:23**
